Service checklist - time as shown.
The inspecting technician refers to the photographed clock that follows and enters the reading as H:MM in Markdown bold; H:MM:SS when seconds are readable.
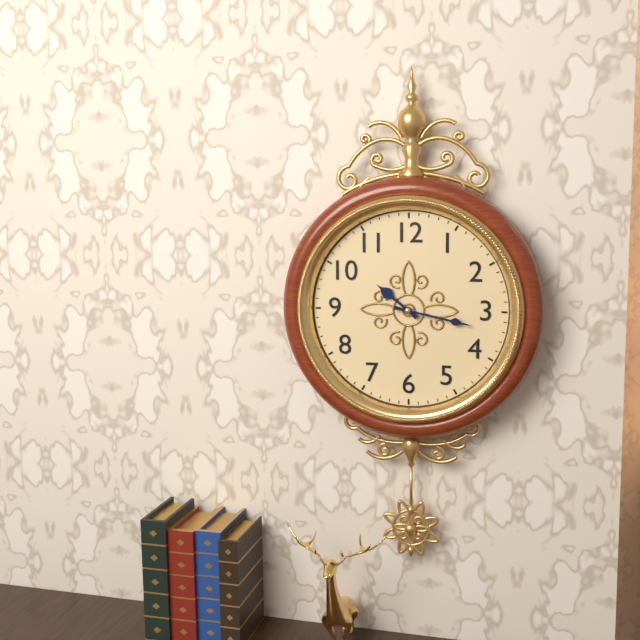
**10:17**
